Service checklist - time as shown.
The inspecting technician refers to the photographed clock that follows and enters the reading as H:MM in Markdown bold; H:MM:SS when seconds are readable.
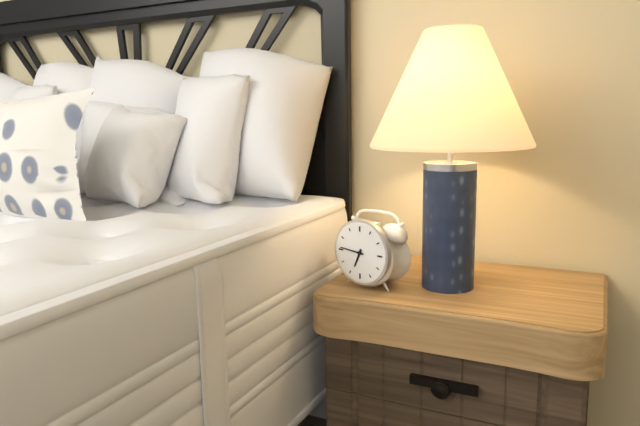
**6:46**
